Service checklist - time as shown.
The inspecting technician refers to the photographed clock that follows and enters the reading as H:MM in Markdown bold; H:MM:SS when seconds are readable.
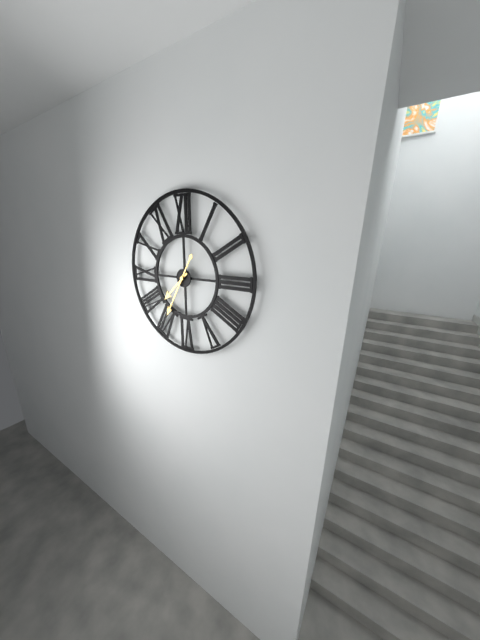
**7:35**
